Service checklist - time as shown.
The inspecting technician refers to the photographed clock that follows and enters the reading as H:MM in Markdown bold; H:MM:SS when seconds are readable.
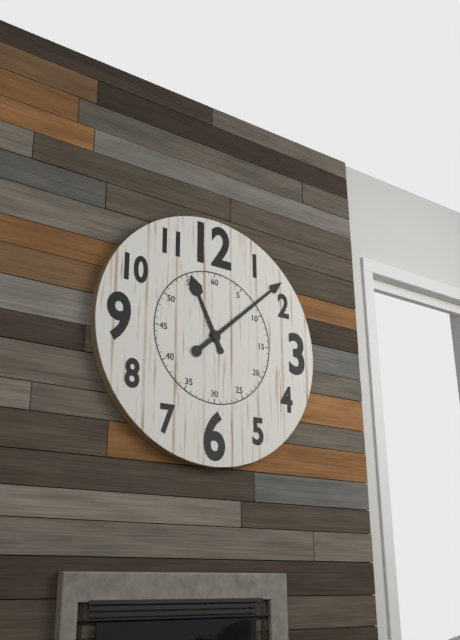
**11:08**
